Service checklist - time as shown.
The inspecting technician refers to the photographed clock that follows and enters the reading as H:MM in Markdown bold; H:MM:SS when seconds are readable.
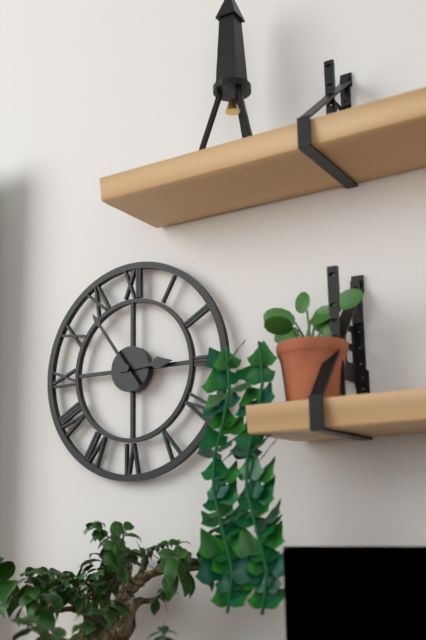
**2:54**
